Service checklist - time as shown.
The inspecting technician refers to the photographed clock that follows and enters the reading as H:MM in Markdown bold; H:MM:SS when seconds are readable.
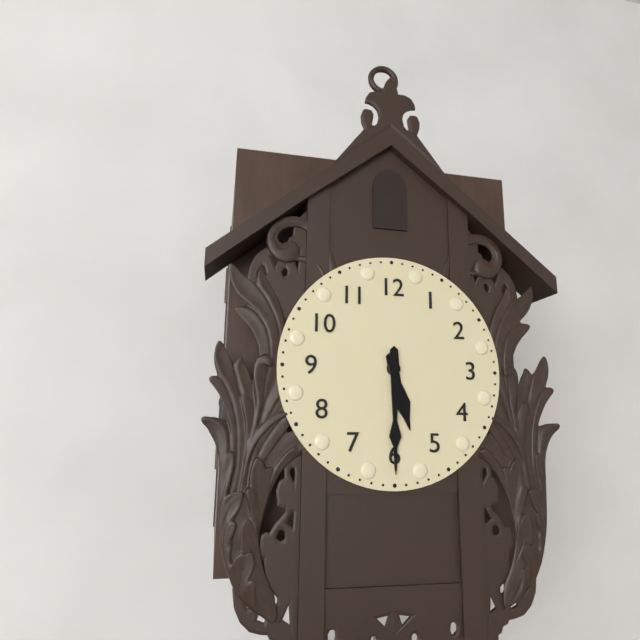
**5:30**
